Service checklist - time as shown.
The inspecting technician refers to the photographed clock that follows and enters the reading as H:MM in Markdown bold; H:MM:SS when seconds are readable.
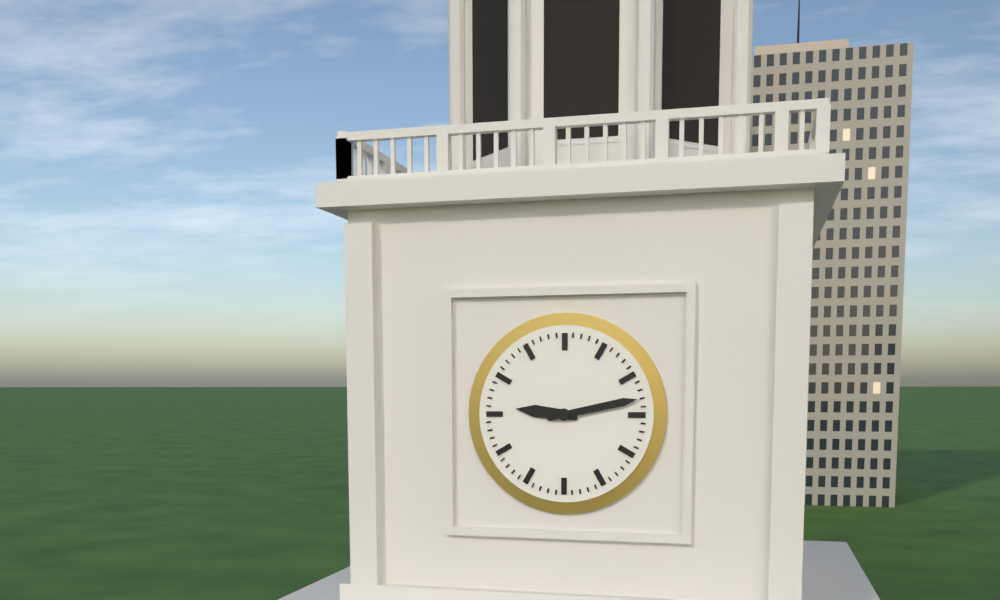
**9:13**
